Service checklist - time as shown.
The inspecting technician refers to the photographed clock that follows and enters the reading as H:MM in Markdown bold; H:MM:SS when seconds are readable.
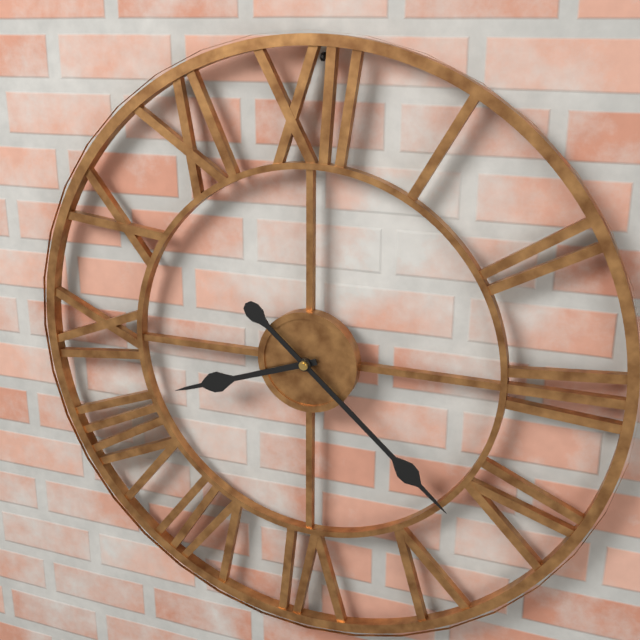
**8:22**
